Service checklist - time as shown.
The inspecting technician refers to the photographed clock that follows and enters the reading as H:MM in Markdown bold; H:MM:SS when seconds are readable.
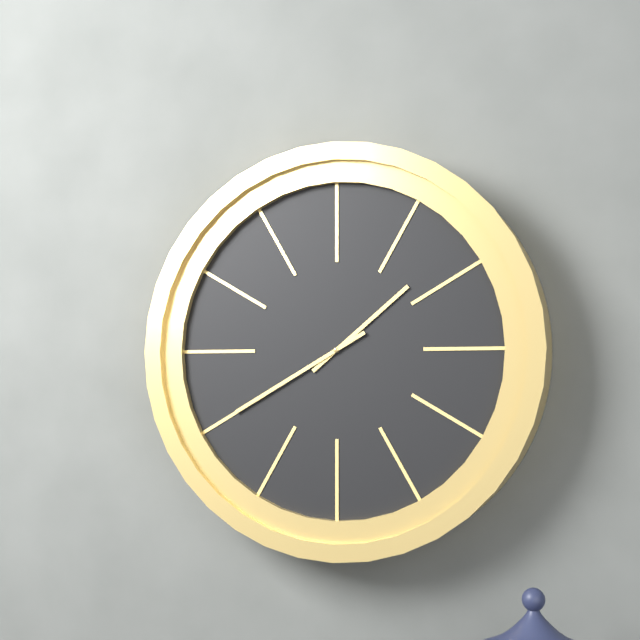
**1:40**
